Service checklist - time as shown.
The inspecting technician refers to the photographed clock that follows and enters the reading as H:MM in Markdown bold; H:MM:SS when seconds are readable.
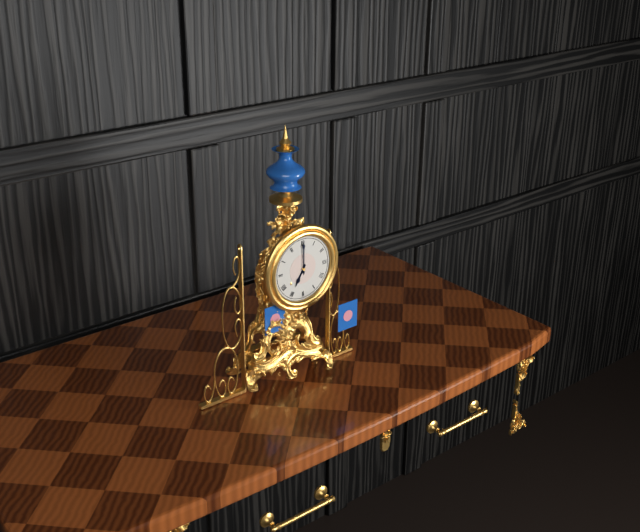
**7:00**
